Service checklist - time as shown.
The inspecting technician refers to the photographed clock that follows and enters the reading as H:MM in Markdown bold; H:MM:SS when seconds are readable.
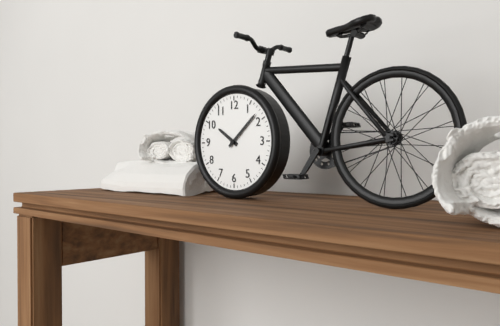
**10:08**
